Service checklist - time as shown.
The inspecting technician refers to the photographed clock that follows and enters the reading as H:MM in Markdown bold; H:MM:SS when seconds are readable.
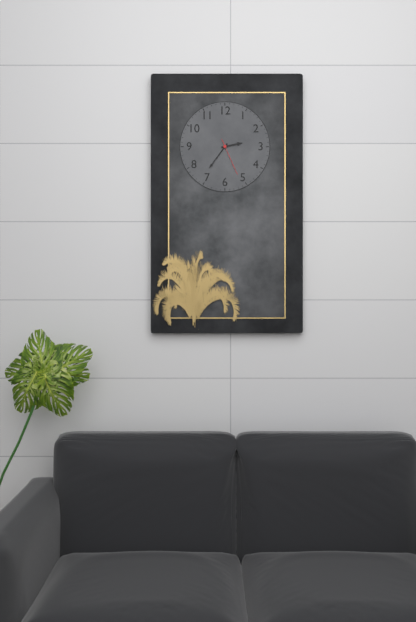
**2:36**
